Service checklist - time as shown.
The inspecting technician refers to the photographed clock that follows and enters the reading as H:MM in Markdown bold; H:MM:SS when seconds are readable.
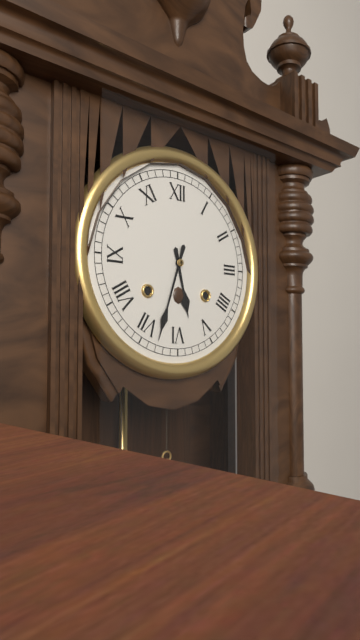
**5:33**
